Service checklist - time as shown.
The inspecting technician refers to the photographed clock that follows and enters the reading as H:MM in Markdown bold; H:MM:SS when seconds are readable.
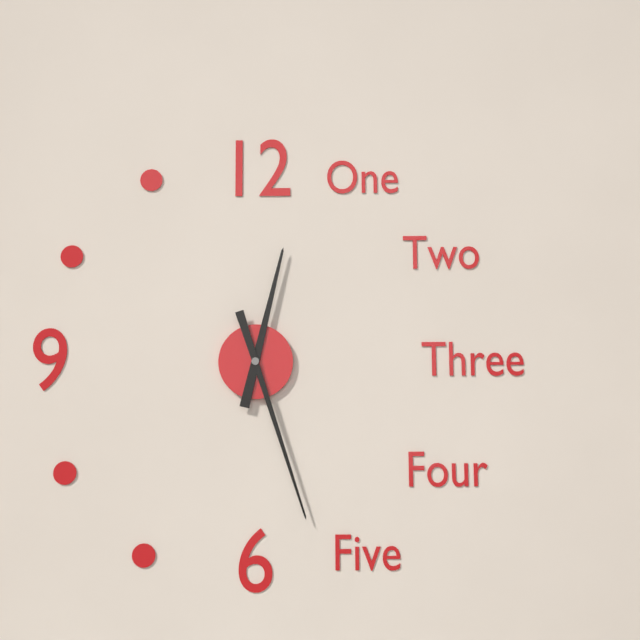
**12:27**
